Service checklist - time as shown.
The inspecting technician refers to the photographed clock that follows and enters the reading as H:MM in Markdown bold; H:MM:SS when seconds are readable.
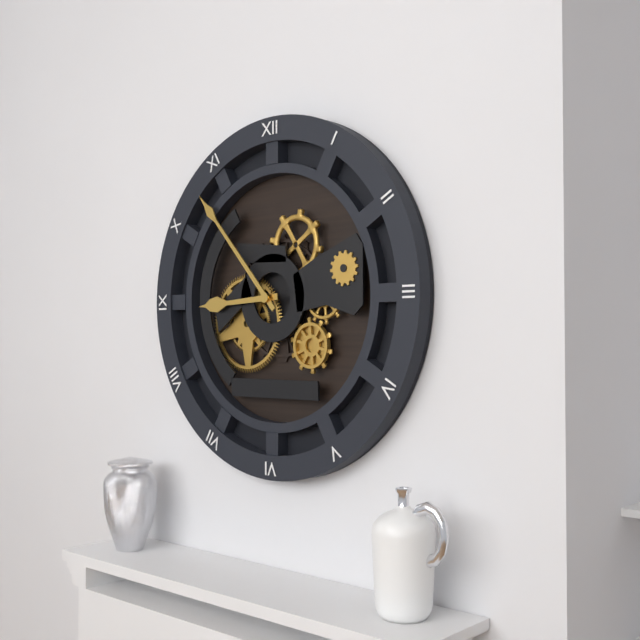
**8:53**
